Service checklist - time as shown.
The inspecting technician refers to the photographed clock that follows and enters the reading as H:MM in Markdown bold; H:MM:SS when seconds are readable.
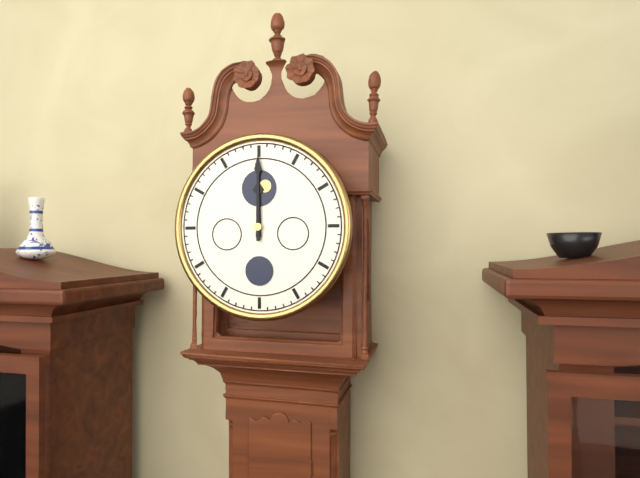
**12:00**
